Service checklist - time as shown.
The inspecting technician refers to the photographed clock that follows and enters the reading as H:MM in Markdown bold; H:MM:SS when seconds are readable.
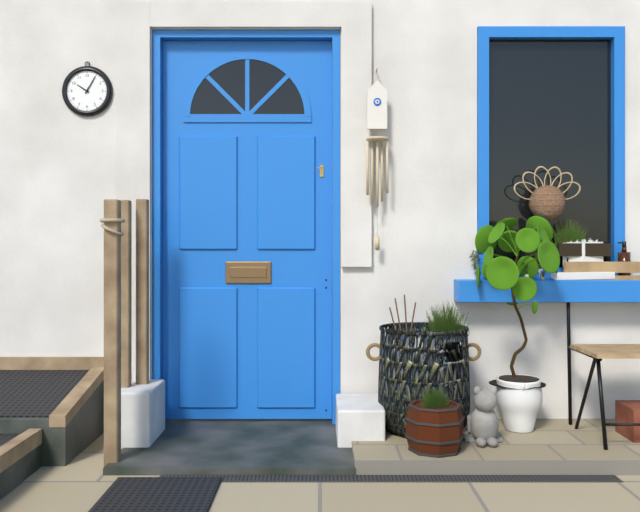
**10:05**
